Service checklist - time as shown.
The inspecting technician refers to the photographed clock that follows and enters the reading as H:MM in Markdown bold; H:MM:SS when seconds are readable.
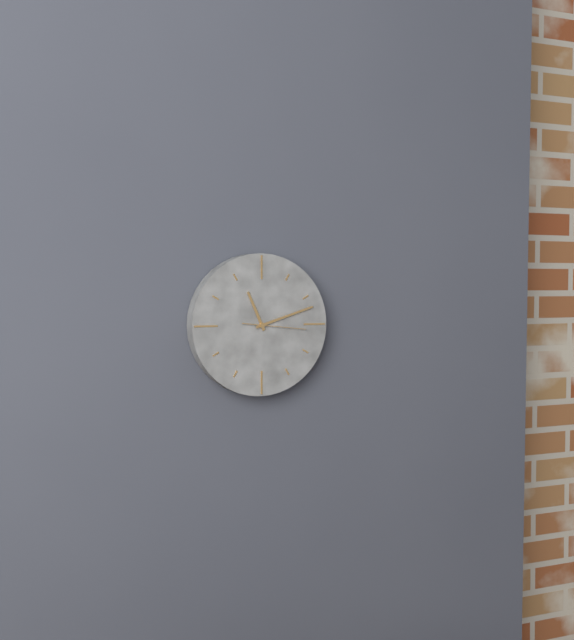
**11:12:16**
